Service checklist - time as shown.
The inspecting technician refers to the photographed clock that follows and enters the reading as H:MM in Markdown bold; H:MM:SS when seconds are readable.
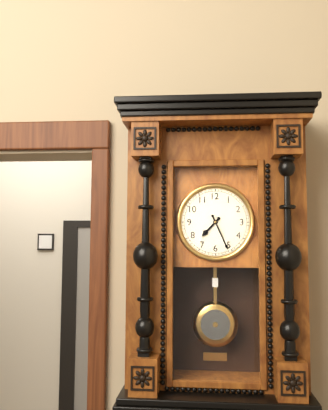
**7:26**
